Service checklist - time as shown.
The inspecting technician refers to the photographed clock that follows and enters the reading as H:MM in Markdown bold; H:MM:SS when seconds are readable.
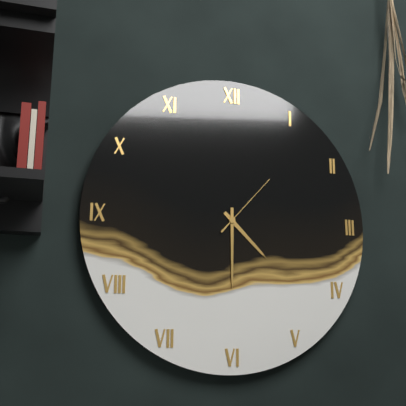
**4:30:07**
